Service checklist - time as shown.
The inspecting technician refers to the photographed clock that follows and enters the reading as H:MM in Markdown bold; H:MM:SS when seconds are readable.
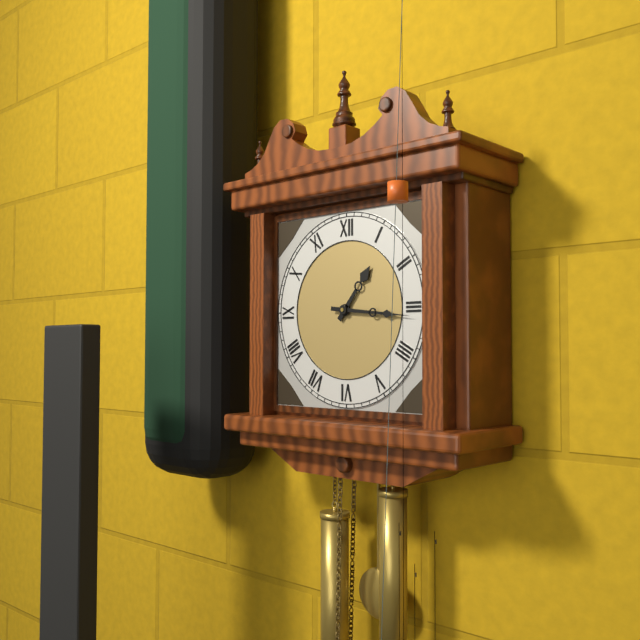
**1:16**
